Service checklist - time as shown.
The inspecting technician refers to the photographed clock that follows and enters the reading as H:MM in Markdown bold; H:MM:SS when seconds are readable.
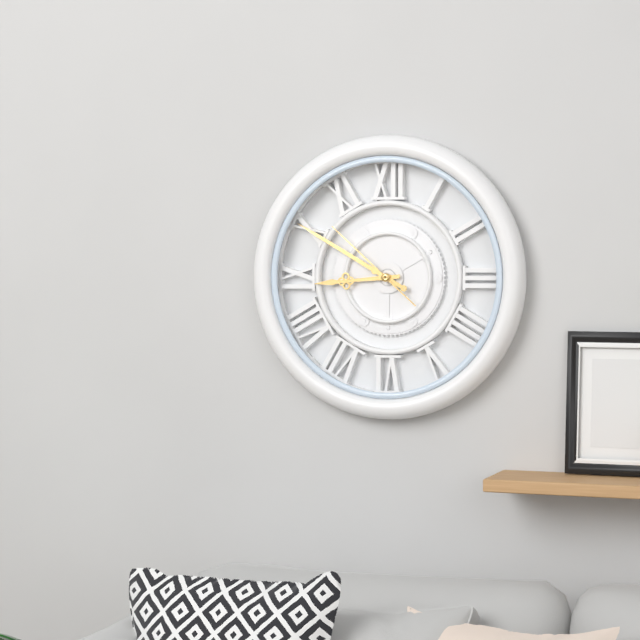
**8:50:52**
